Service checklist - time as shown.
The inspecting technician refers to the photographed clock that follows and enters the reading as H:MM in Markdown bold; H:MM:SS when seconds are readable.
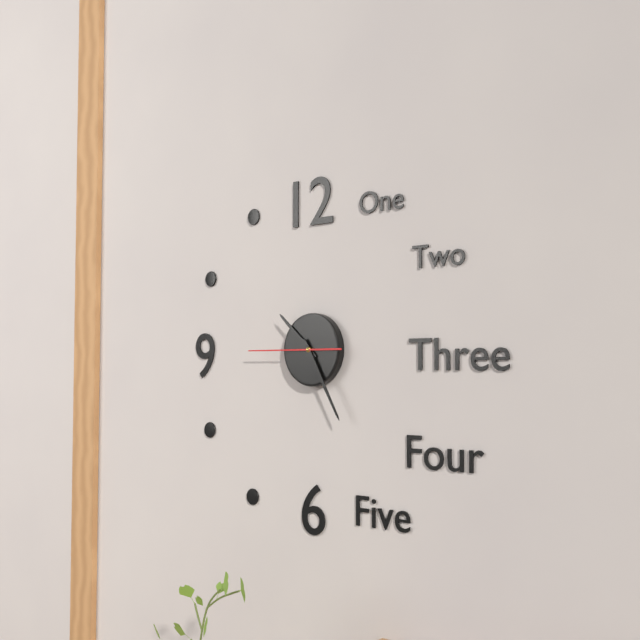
**10:25:45**
